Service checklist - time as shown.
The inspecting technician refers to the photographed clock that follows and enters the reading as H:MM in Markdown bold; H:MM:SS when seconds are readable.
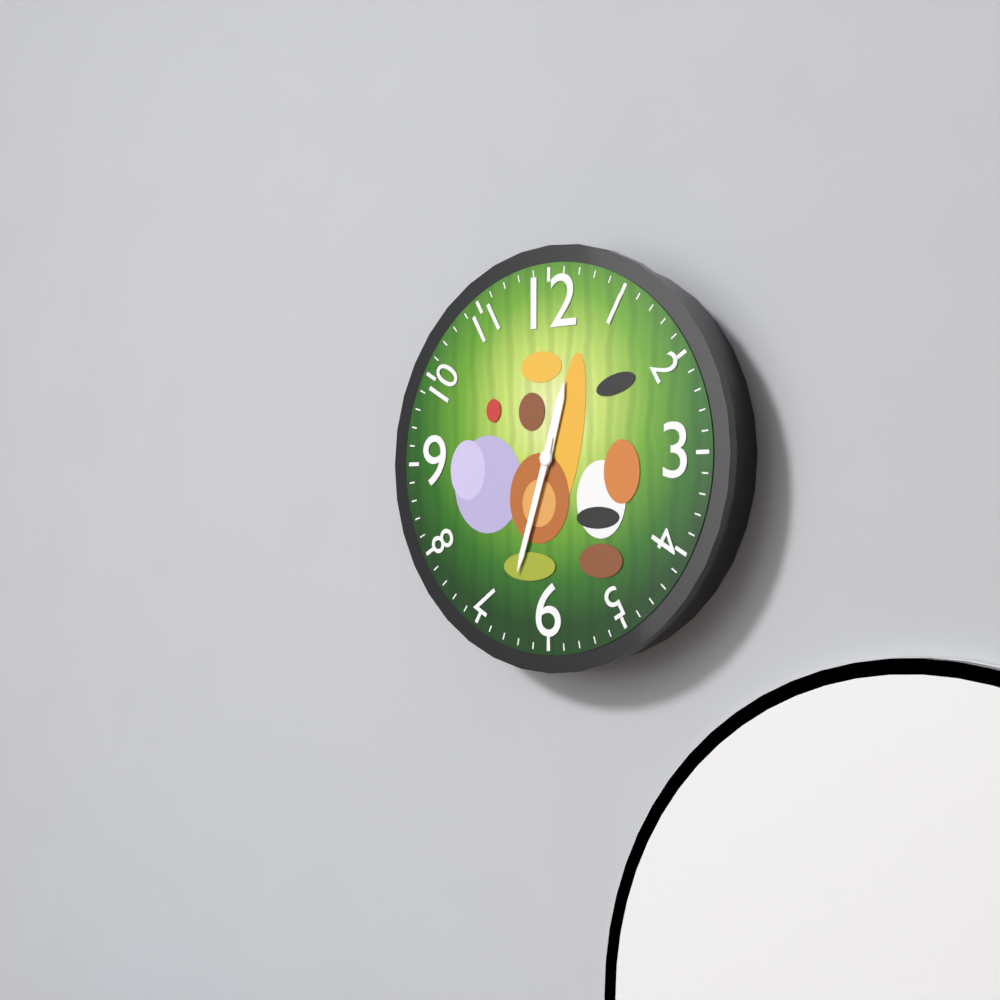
**12:33**
